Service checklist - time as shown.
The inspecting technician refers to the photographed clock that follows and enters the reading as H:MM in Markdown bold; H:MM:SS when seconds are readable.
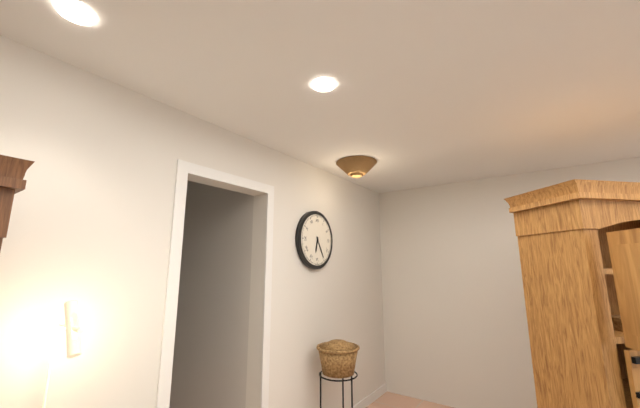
**6:25**
